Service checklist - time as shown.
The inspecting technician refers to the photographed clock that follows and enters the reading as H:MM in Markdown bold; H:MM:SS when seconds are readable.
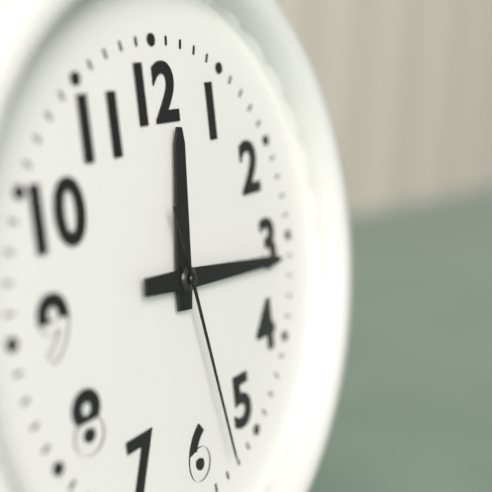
**12:16:28**
